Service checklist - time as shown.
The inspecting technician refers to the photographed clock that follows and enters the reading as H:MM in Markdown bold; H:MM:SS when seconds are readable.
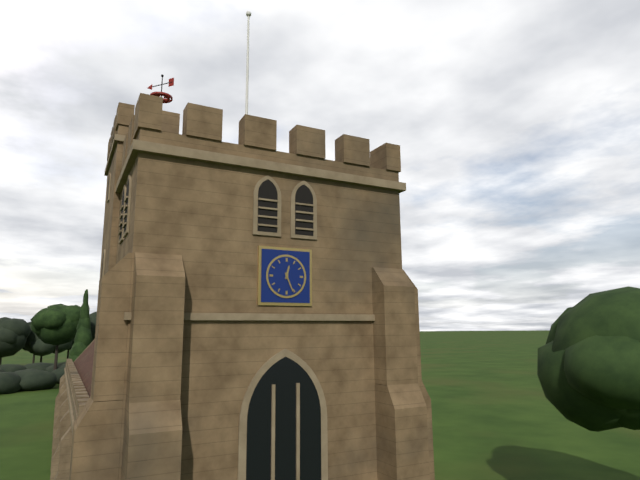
**12:26**
